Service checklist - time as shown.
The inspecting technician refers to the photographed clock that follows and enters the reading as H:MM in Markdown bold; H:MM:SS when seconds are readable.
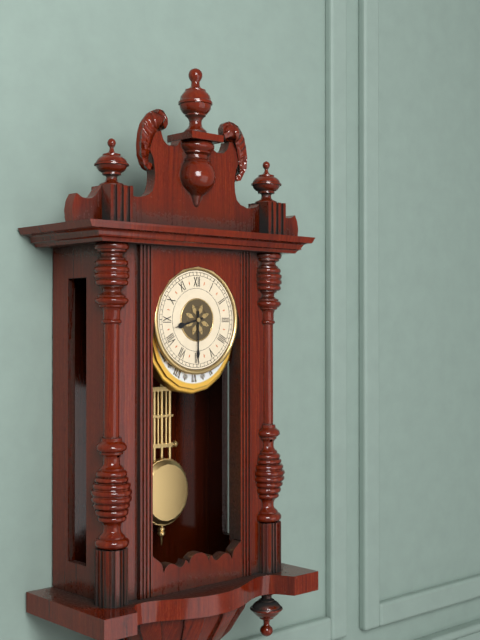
**8:30**
